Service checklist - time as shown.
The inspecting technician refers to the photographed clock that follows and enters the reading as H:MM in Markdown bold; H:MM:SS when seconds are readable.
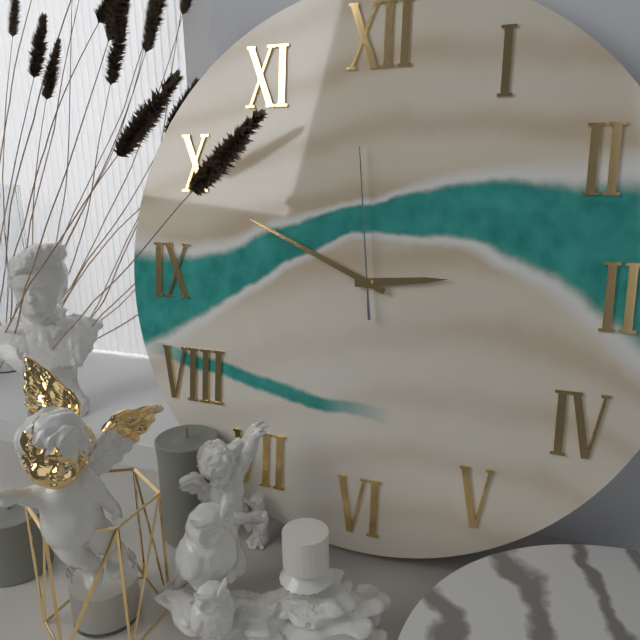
**2:49:59**
